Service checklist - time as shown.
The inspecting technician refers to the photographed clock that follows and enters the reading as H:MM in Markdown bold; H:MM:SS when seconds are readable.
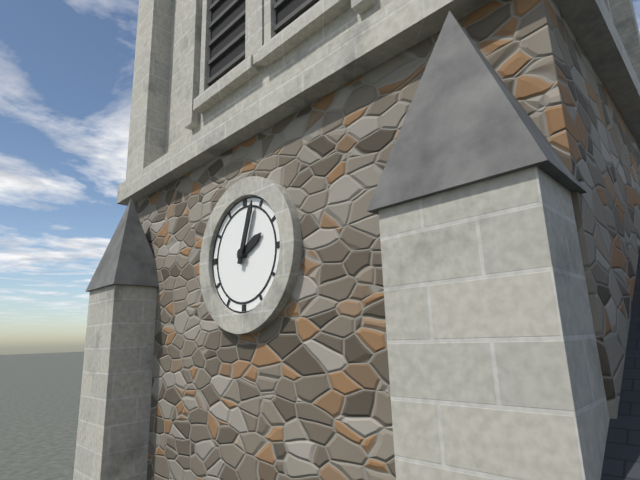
**2:03**
